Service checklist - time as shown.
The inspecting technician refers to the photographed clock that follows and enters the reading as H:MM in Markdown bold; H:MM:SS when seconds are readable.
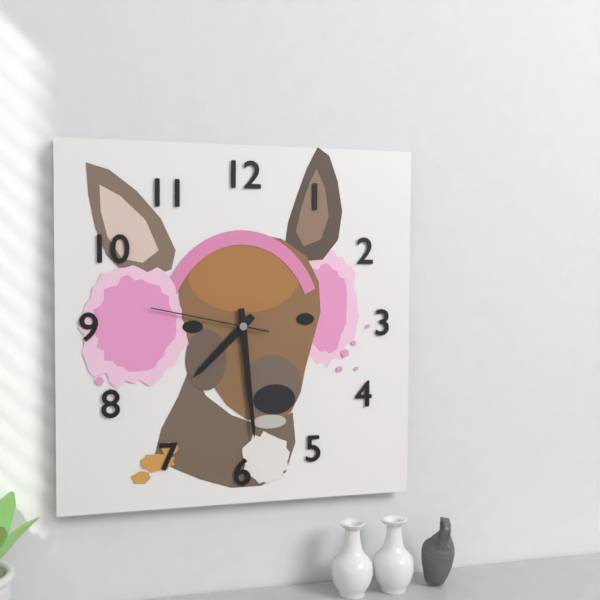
**7:29:47**
